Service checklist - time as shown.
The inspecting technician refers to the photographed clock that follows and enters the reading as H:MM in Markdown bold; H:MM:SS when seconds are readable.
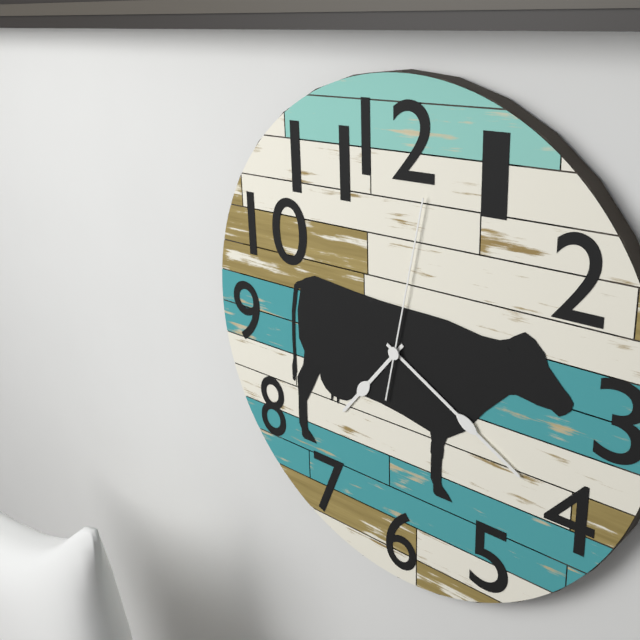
**7:20:02**
